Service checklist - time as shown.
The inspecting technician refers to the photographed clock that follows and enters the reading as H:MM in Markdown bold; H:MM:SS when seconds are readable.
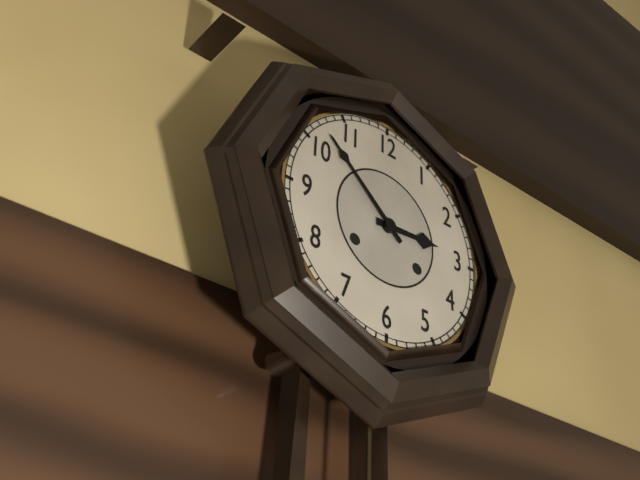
**2:52**
